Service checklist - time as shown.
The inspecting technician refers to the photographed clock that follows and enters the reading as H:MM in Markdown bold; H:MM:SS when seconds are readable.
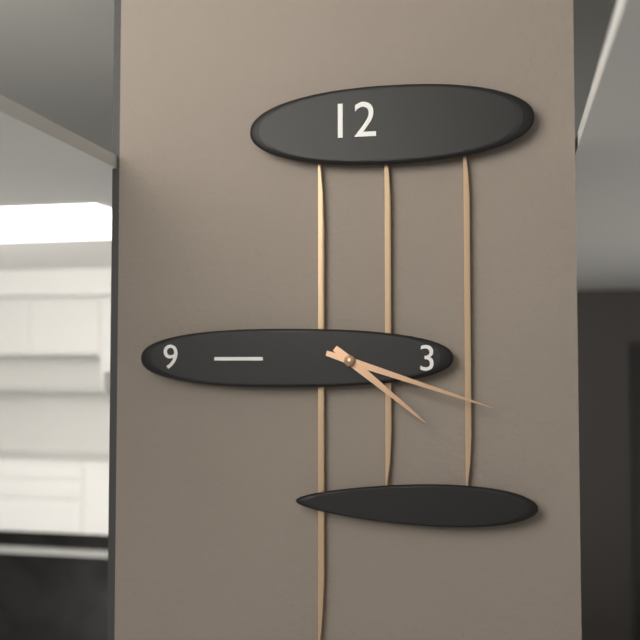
**4:18**
